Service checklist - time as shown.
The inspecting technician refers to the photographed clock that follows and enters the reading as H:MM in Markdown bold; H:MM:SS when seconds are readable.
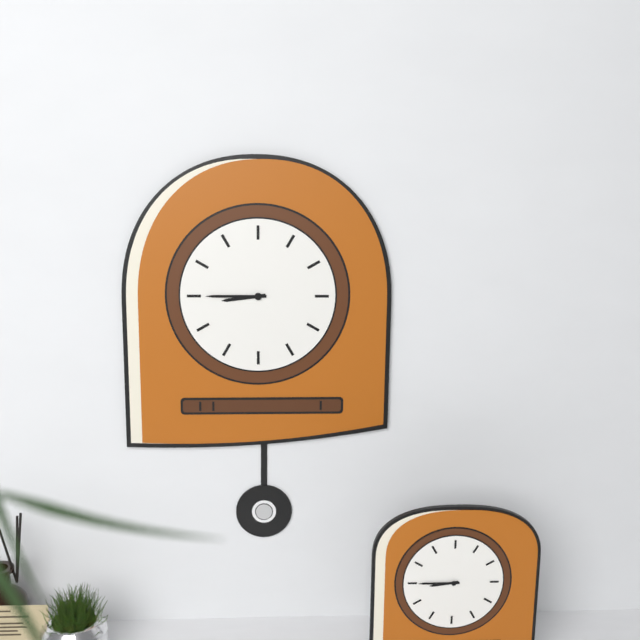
**8:45**
